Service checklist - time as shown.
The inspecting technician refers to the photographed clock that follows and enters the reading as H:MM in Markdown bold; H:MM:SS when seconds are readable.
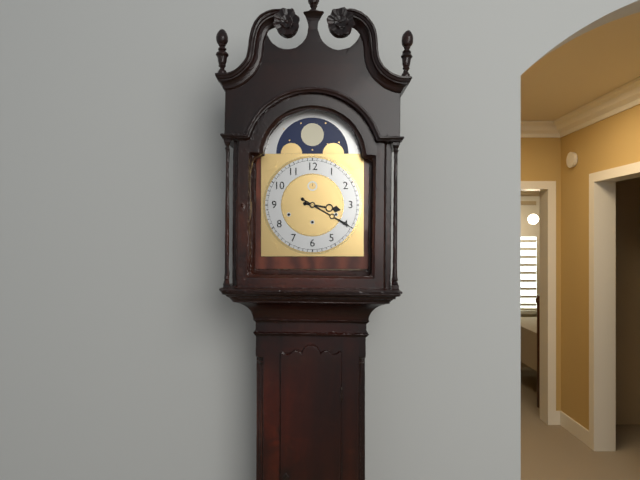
**3:20**
